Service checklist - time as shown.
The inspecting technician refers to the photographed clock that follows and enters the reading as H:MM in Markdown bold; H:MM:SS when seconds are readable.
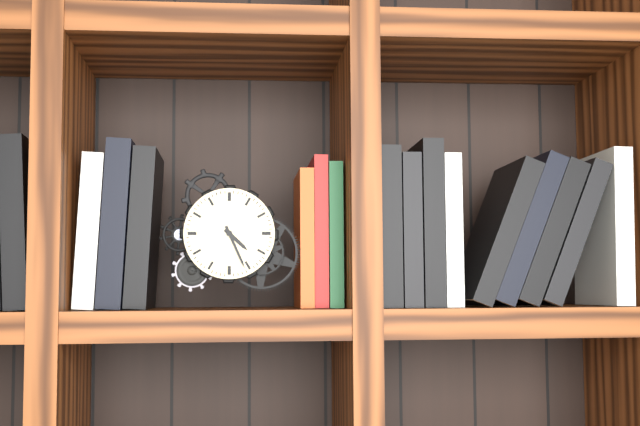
**4:26**
